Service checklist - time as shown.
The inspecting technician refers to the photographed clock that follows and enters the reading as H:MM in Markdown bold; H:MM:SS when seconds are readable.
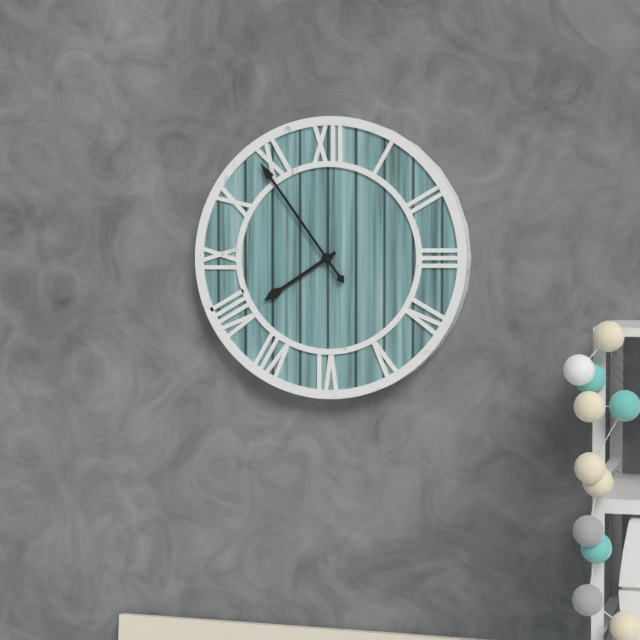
**7:54**
